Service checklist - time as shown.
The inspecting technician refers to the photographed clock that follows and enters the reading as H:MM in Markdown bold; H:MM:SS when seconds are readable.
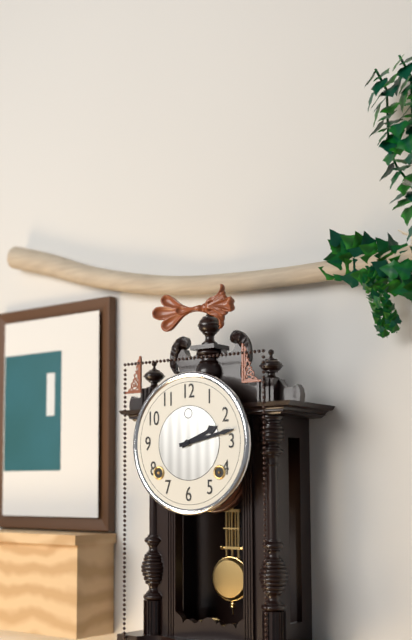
**2:13**
